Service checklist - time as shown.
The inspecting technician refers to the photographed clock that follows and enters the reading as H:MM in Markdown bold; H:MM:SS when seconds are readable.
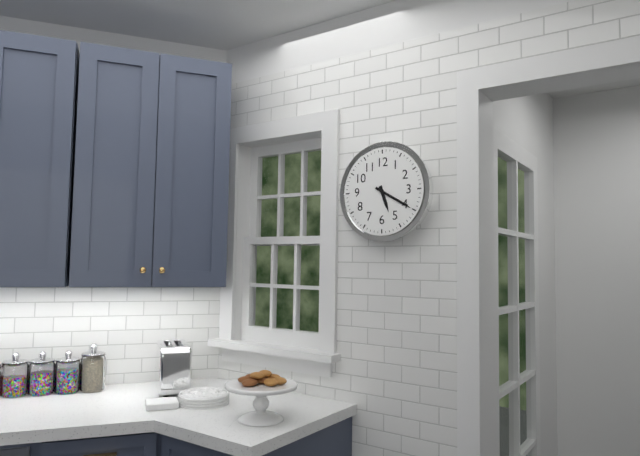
**5:20**
